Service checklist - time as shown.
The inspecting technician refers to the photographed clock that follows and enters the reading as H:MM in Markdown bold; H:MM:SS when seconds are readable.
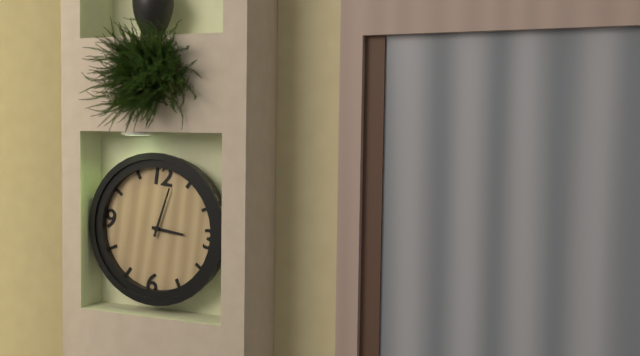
**3:02**
